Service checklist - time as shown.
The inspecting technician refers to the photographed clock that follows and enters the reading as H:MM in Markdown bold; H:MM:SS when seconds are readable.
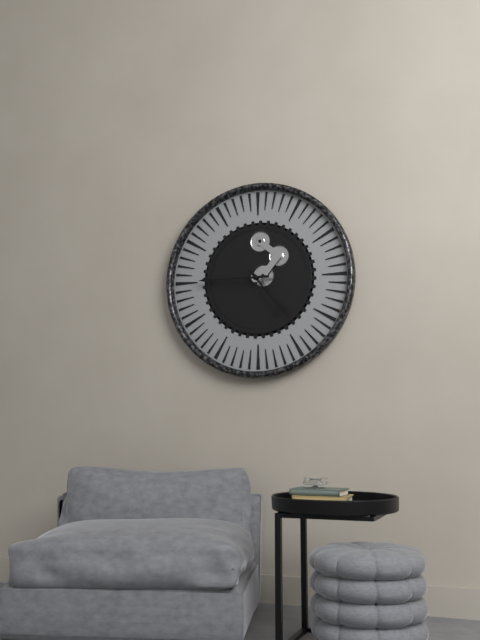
**4:45**
